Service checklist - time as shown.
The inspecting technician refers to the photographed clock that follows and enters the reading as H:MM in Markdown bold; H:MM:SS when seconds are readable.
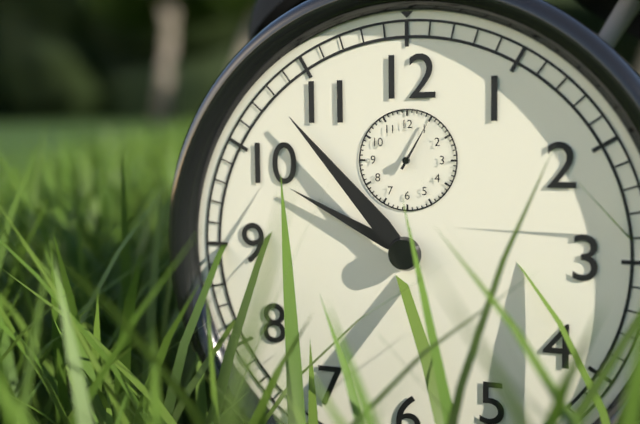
**9:53:05**
